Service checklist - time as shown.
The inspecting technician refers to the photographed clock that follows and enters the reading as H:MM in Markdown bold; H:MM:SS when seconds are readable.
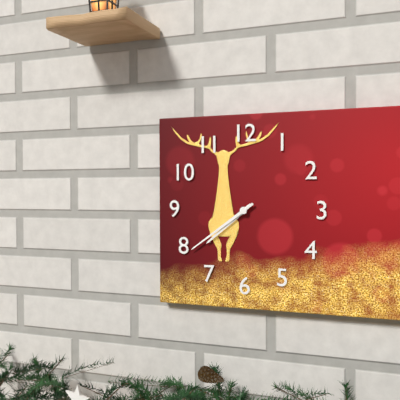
**7:39**
